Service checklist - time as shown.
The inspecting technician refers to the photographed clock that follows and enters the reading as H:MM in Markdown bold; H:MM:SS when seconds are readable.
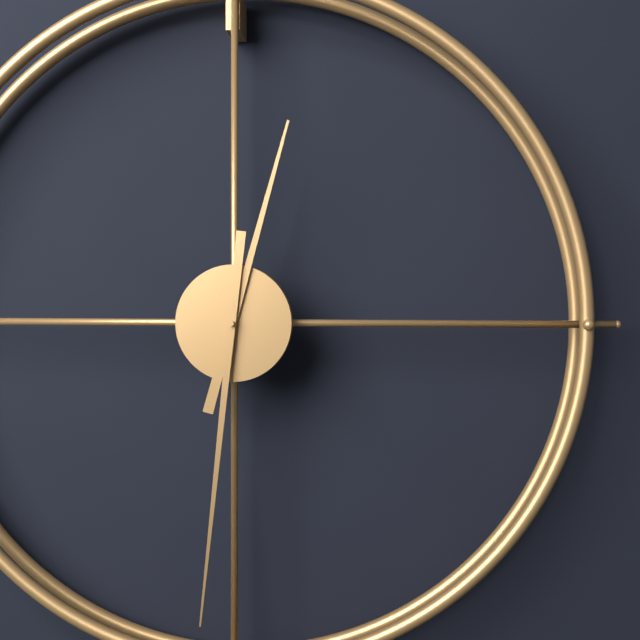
**12:31**
